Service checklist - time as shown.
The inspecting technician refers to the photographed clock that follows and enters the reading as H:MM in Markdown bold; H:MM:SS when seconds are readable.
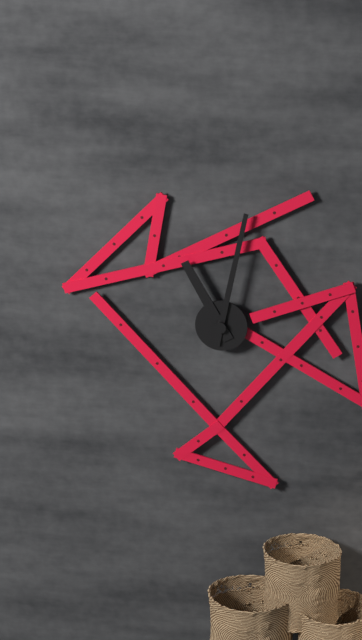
**11:02**
